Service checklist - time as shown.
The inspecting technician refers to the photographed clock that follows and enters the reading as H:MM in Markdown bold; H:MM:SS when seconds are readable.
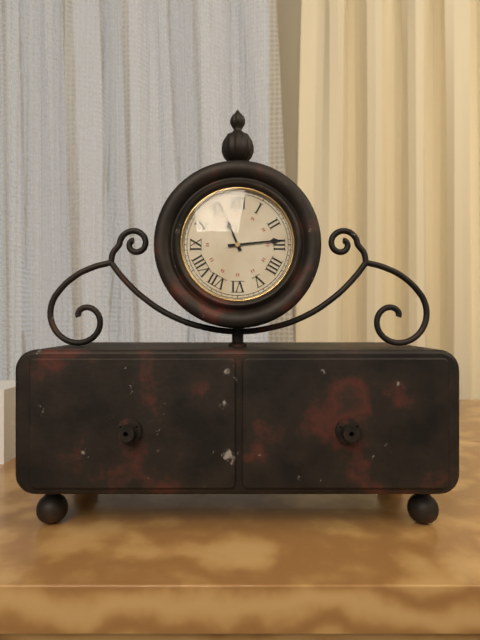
**11:14**
